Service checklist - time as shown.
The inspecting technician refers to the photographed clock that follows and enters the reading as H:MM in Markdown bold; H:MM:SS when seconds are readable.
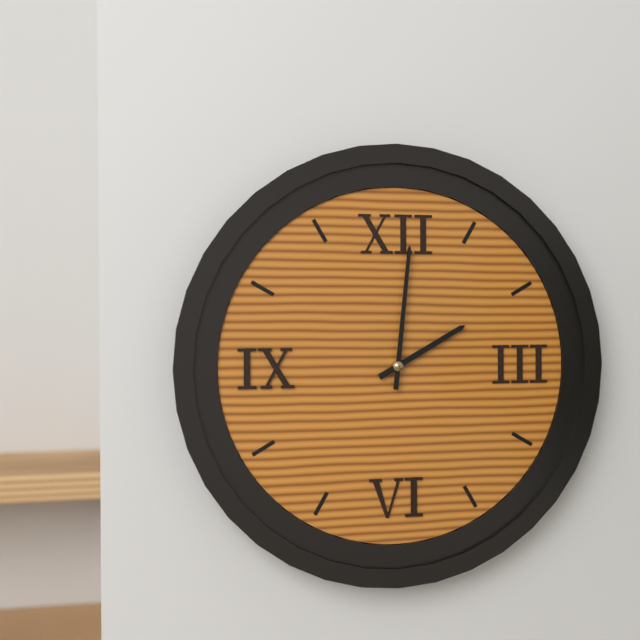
**2:01**
